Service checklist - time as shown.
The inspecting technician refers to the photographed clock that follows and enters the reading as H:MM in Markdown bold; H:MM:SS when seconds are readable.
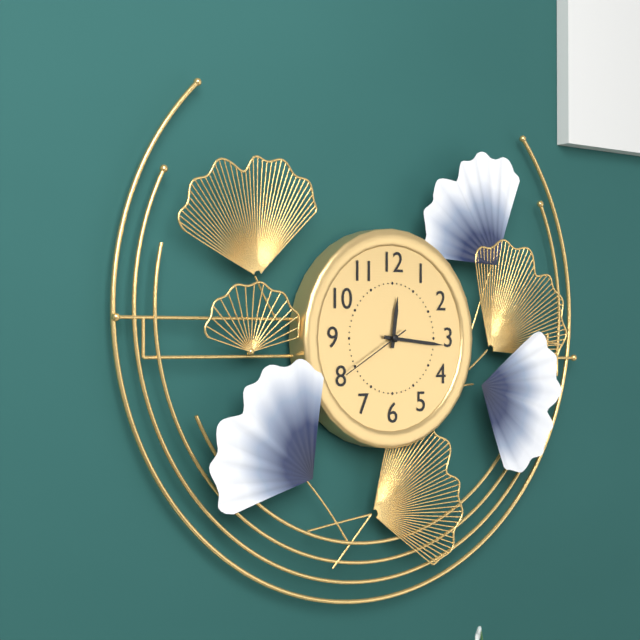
**12:16:40**
